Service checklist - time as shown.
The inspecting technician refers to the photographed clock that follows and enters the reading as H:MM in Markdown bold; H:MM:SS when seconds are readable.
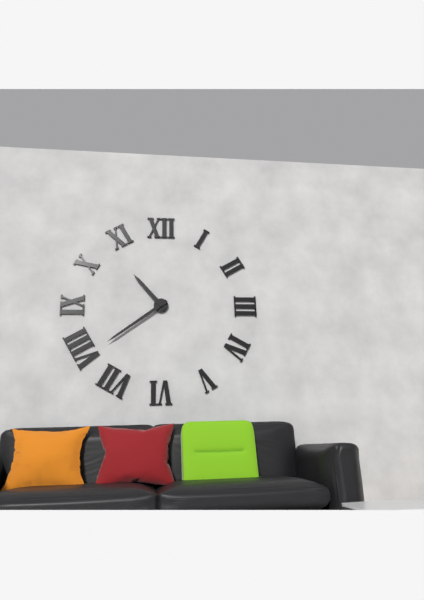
**10:39**
